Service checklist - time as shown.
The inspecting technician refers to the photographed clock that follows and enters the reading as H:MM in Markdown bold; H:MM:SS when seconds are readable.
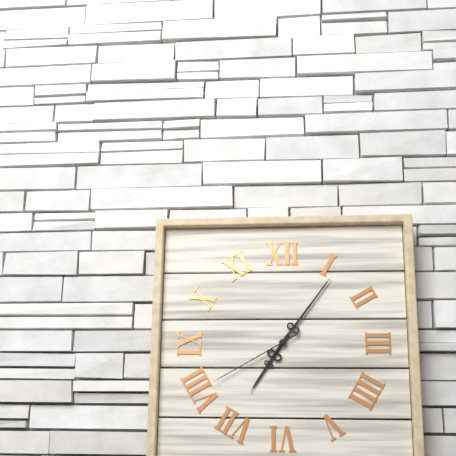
**7:06:40**
